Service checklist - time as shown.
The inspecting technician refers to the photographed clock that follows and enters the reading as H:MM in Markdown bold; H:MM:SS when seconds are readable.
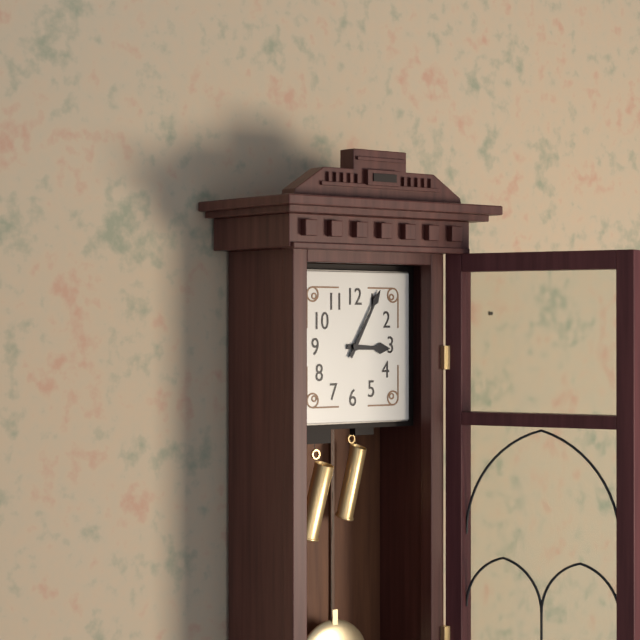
**3:05**
